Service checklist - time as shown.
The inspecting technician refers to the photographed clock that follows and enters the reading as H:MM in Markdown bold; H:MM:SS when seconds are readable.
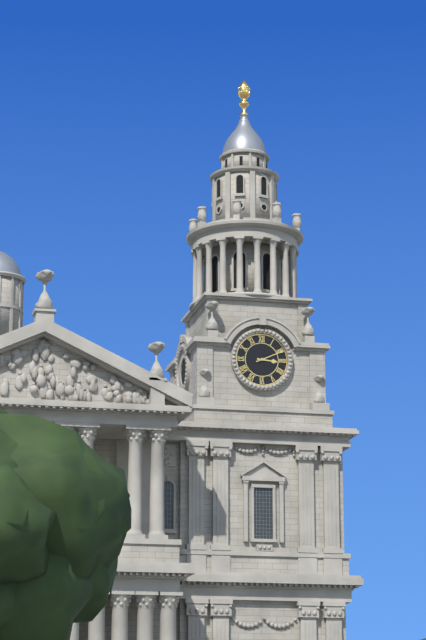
**3:11**
